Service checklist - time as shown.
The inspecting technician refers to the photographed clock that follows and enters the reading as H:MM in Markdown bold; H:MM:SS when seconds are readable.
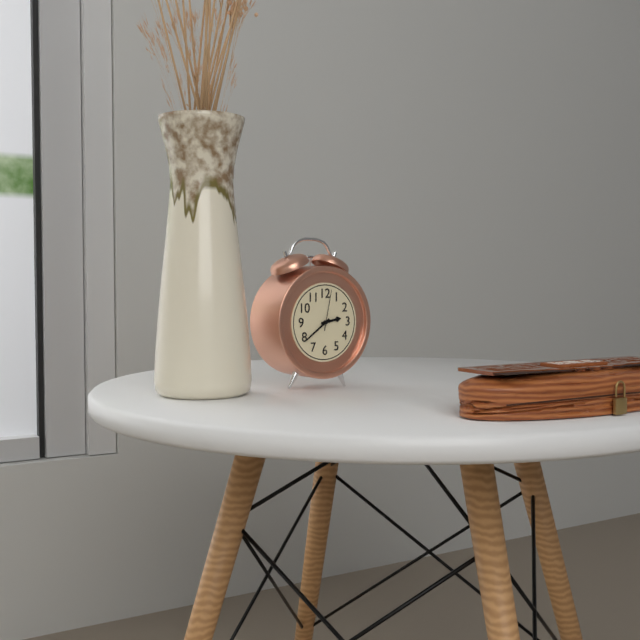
**2:39**
